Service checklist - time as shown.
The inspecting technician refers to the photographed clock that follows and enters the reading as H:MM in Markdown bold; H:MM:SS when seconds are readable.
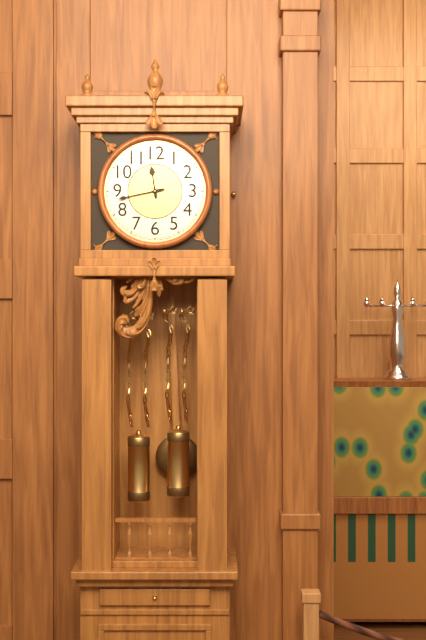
**11:43**
